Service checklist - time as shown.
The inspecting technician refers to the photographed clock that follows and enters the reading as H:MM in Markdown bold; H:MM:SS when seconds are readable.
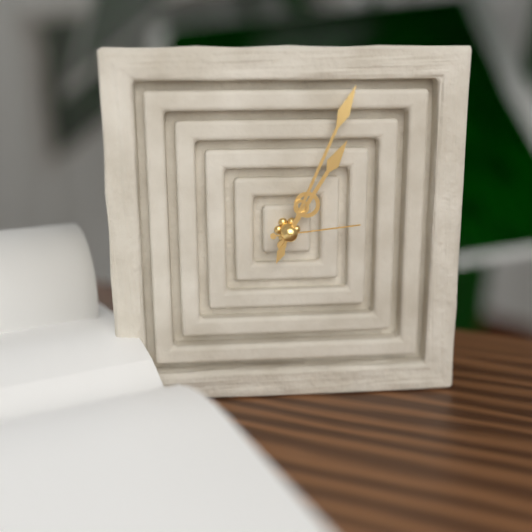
**1:04:14**
